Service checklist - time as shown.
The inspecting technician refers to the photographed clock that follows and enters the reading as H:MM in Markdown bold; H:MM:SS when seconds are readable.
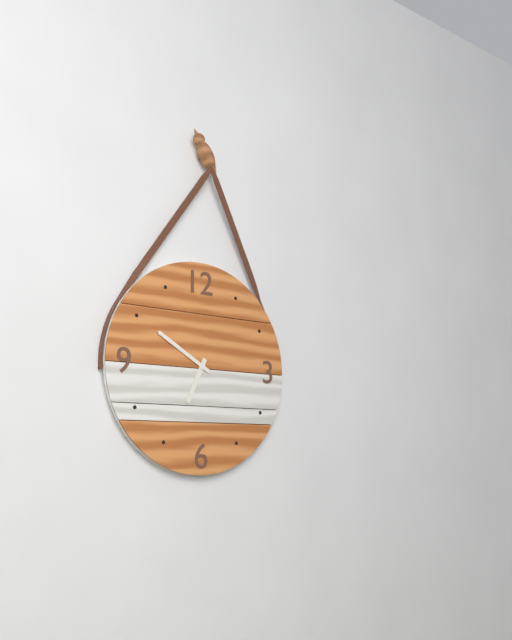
**6:50**
